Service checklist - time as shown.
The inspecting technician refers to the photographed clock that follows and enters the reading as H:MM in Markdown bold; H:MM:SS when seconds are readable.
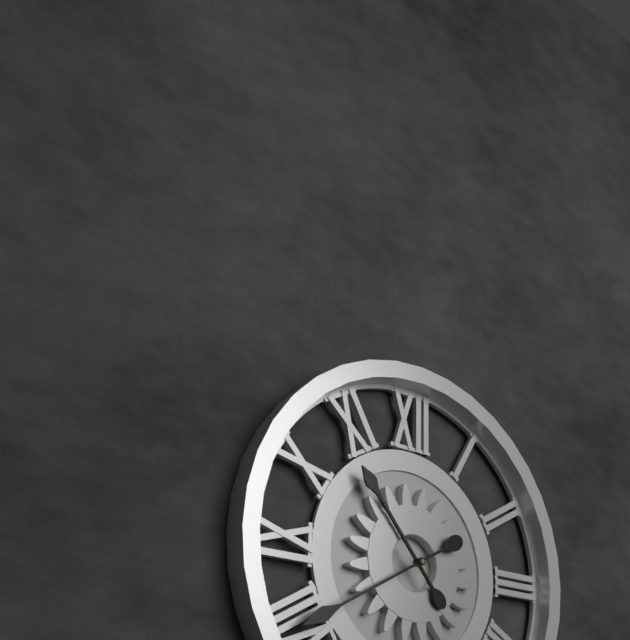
**10:40**
